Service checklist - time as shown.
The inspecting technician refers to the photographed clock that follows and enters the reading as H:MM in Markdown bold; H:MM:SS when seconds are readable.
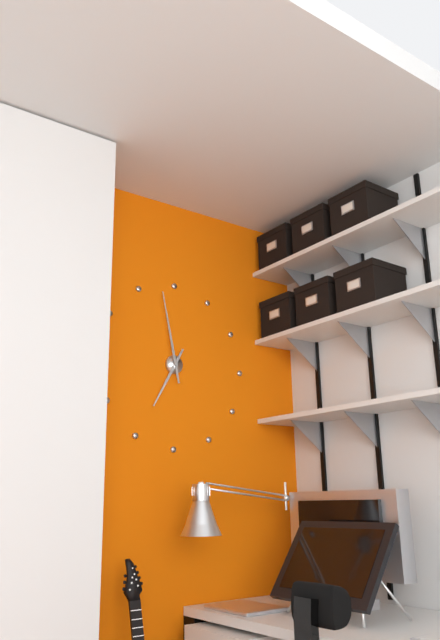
**6:58**
